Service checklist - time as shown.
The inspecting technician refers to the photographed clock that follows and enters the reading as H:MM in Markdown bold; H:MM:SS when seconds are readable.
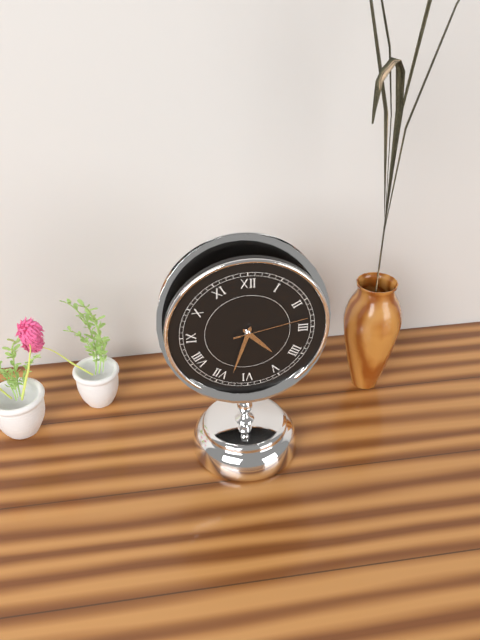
**4:33:13**
